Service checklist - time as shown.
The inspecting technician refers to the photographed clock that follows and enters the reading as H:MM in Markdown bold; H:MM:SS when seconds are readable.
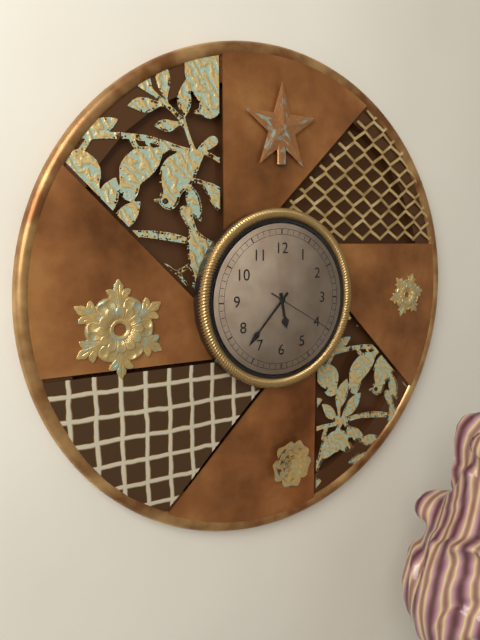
**5:37:20**
